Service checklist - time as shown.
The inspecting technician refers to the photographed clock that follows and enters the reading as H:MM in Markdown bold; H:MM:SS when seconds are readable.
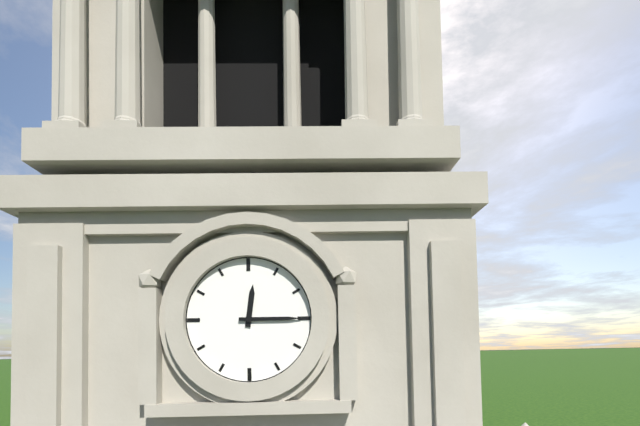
**12:15**
